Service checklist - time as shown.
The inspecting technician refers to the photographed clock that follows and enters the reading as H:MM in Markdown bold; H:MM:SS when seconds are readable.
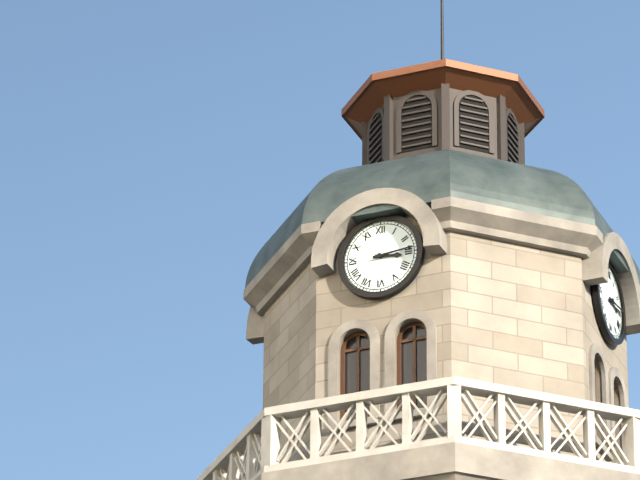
**3:14**
